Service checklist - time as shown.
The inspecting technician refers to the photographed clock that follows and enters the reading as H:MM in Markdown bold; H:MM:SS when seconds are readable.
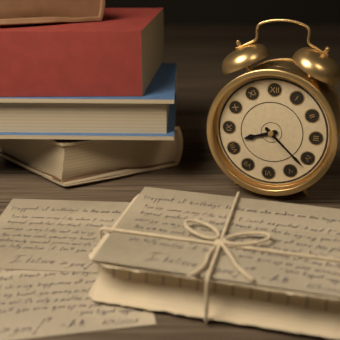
**8:22**
